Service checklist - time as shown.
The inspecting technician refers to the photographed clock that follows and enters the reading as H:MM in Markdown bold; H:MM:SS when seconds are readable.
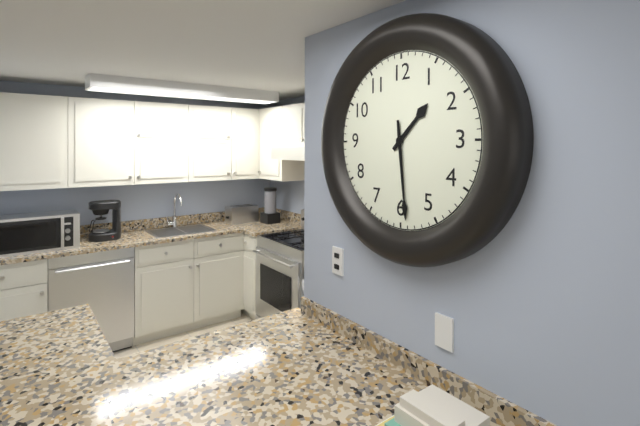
**1:29**
